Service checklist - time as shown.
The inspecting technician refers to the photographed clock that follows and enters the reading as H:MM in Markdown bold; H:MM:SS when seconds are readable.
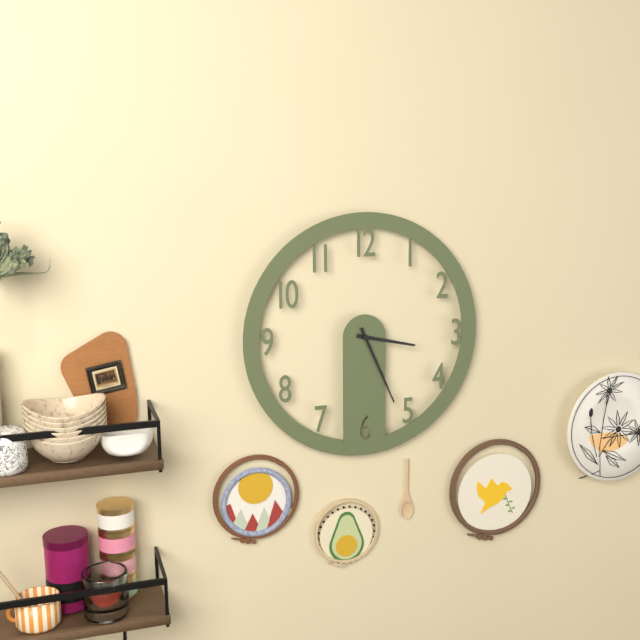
**3:26**
